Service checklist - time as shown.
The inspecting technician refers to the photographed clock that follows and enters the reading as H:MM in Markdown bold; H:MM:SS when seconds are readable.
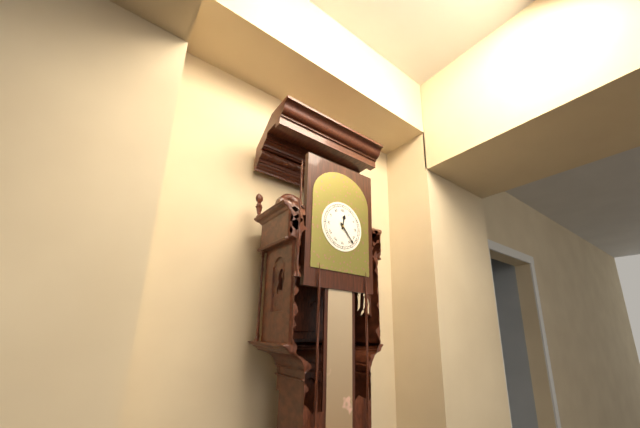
**12:23**
